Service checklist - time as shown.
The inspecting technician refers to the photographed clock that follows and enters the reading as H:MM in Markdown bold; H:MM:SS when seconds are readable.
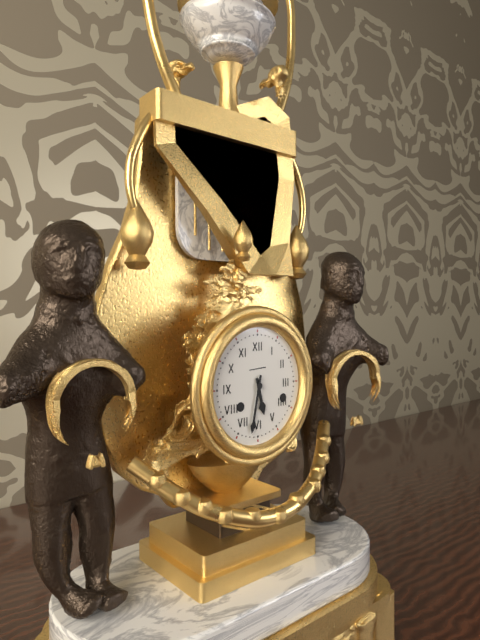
**5:32**
